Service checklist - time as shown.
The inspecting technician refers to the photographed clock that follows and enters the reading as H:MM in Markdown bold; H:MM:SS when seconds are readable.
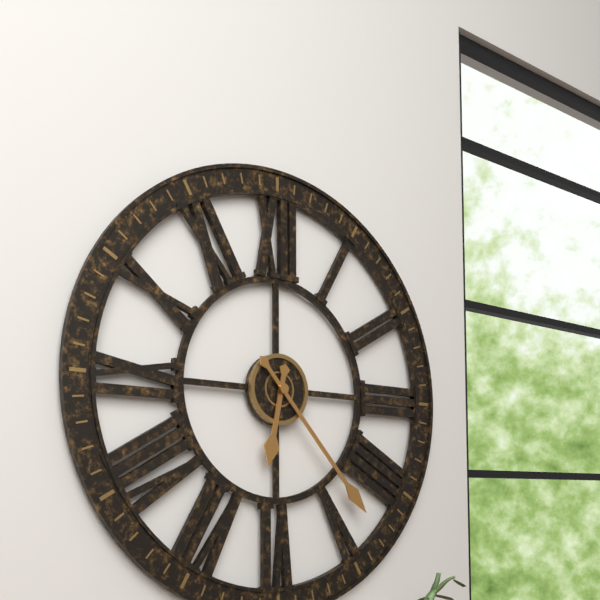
**6:23**
